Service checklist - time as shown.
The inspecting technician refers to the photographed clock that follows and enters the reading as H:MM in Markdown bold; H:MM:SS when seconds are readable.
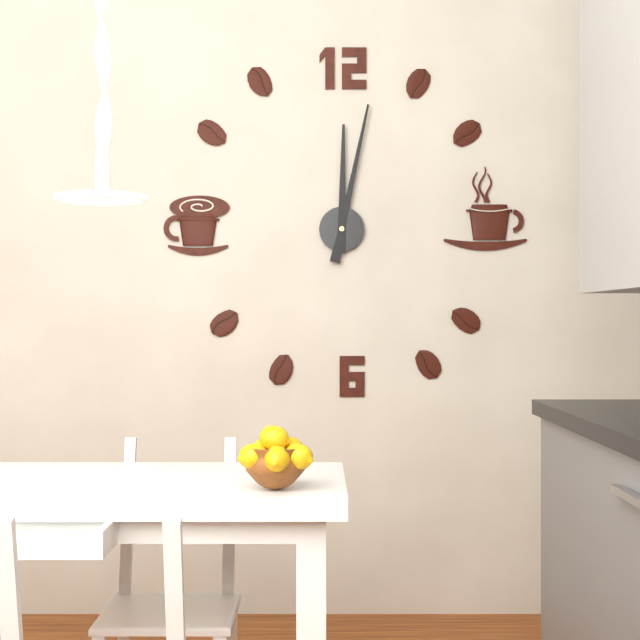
**12:02**
